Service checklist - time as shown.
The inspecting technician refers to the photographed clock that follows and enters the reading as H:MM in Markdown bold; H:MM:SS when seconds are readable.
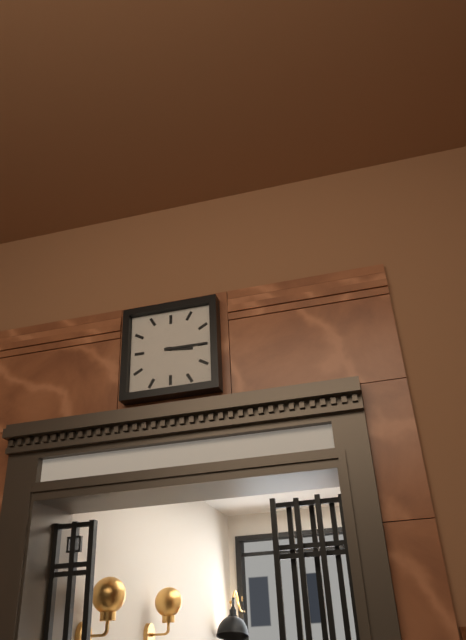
**3:15**
